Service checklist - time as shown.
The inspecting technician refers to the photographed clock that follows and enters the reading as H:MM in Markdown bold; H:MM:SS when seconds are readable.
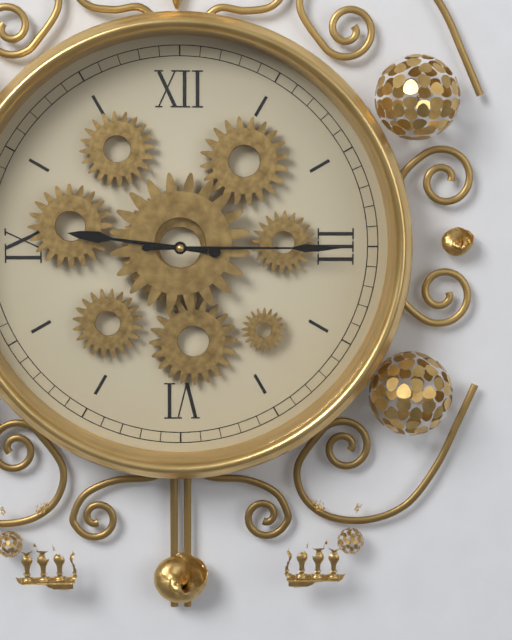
**9:15**
